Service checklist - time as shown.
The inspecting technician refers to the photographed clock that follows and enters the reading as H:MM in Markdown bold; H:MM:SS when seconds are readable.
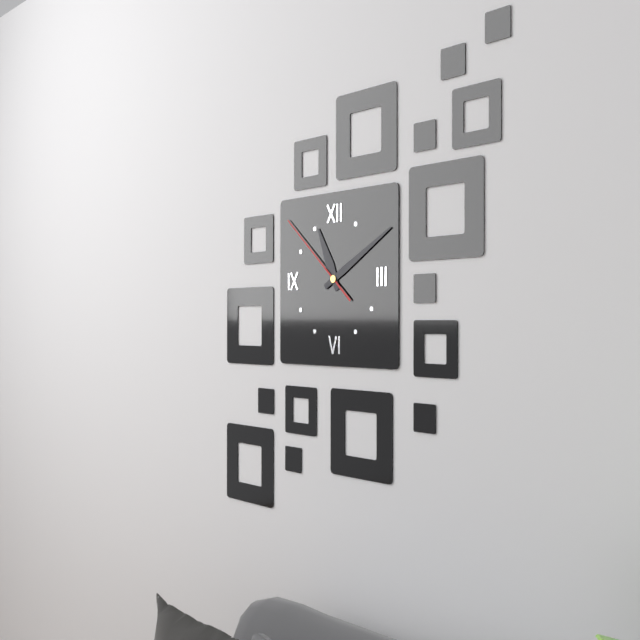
**11:10:52**
